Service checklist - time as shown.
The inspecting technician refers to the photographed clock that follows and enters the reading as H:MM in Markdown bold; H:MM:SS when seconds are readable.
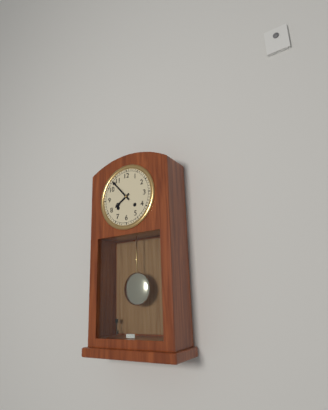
**7:53**
